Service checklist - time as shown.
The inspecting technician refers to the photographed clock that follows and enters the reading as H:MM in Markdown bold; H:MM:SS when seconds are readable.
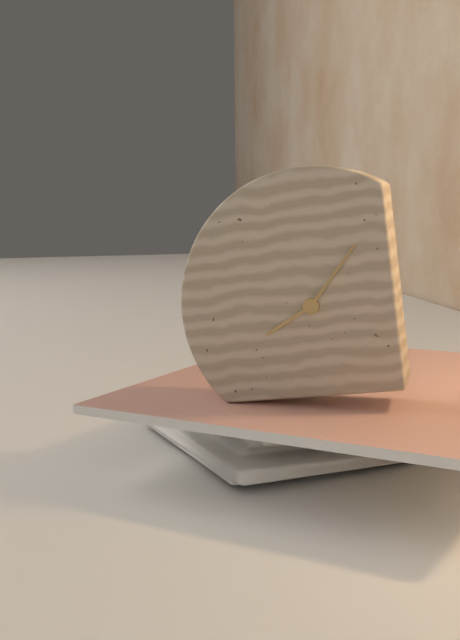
**8:07**
